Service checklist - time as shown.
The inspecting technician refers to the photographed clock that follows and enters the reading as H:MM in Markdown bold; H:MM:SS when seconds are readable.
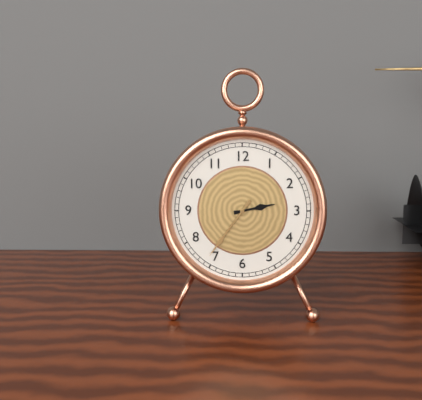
**2:36**
